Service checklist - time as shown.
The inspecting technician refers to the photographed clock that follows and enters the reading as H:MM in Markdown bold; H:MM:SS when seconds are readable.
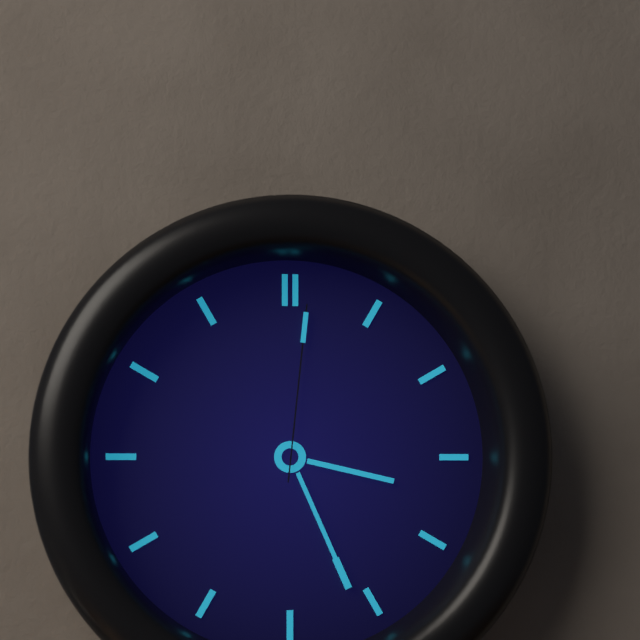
**3:26:01**
